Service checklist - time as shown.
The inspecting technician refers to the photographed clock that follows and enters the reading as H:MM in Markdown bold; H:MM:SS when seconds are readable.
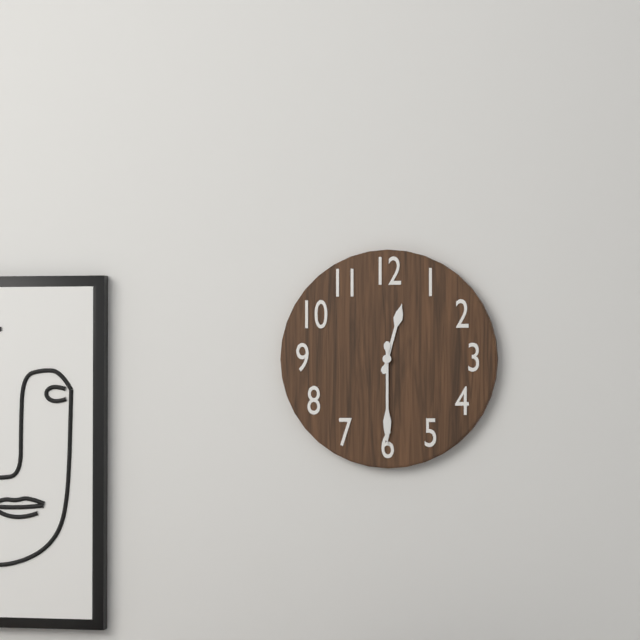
**12:30**
